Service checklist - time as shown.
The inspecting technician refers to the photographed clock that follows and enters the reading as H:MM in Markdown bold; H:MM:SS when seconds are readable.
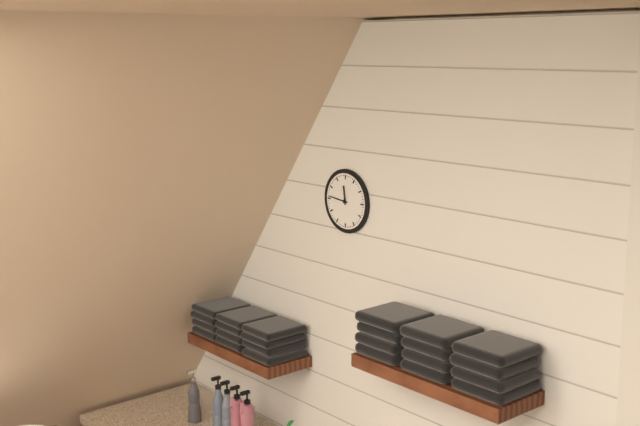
**11:46**
